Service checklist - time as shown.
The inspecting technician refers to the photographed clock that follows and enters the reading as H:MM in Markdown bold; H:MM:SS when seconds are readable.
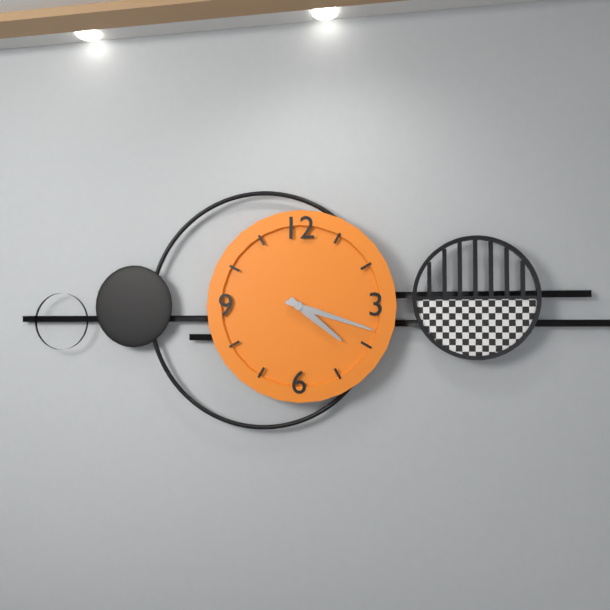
**4:18**
